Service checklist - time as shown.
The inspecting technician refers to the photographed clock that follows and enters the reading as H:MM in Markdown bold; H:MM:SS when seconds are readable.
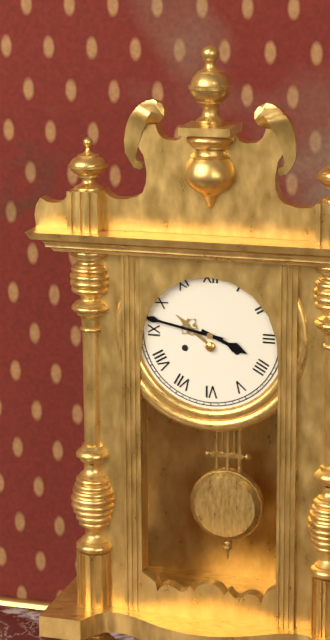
**3:47**
